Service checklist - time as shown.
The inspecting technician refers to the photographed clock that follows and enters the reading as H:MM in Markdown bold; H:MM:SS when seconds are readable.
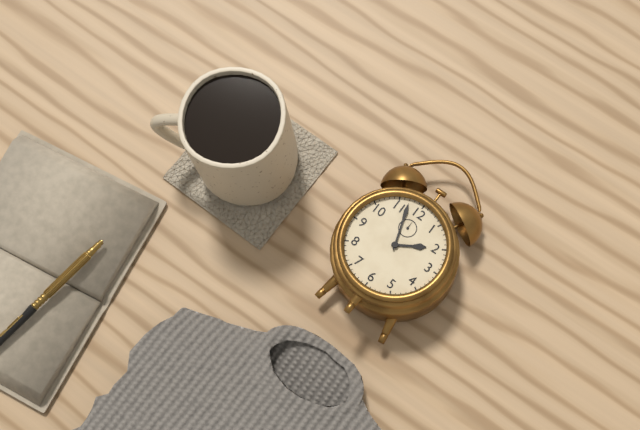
**1:57**
